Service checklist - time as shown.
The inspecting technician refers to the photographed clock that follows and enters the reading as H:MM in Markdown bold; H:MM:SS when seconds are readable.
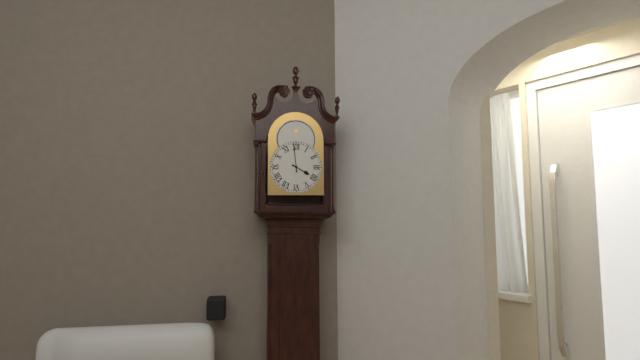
**3:59**
